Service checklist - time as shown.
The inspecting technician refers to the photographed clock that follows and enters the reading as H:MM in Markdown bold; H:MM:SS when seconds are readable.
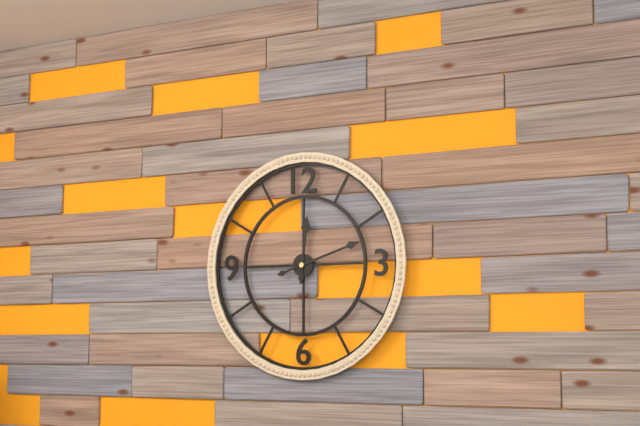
**12:12**
